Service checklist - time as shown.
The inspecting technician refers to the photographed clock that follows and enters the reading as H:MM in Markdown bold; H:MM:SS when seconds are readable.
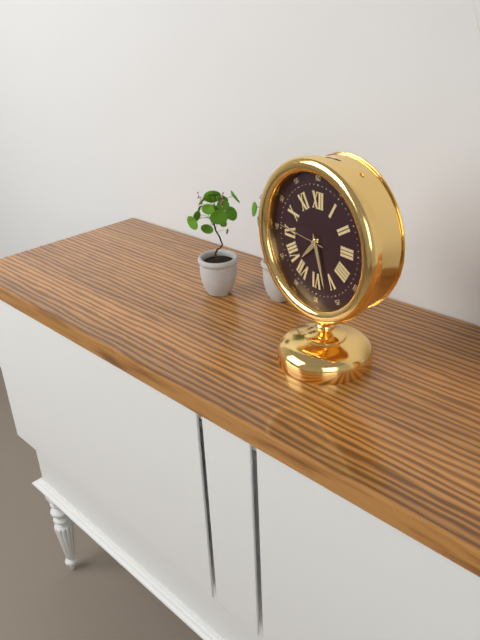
**7:27**
